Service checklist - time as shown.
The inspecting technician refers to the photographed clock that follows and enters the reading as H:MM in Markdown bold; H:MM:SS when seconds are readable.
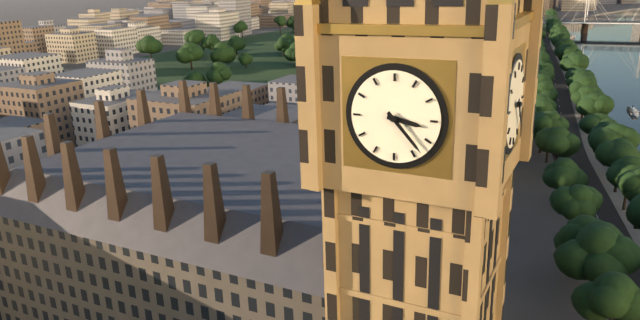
**3:23**
